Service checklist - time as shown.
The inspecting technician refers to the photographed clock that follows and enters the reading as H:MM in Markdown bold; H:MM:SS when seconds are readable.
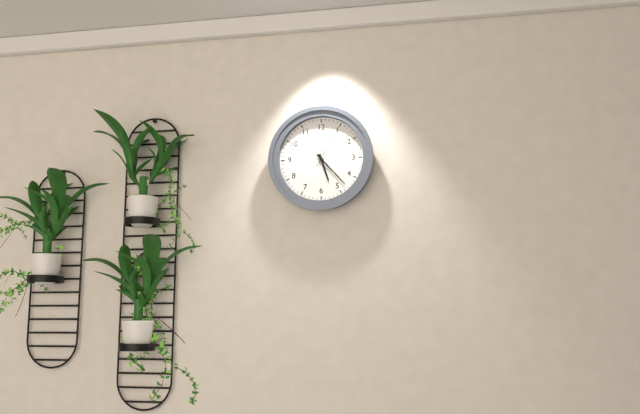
**5:23**
